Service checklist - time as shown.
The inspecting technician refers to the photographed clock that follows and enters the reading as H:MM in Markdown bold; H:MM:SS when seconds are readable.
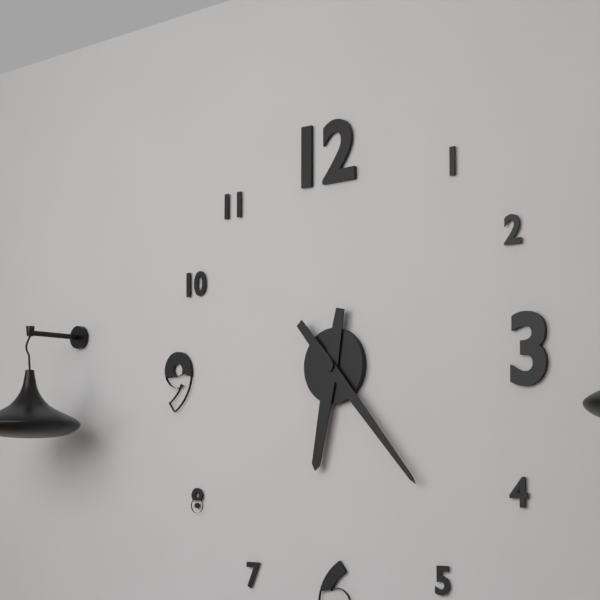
**6:23**
